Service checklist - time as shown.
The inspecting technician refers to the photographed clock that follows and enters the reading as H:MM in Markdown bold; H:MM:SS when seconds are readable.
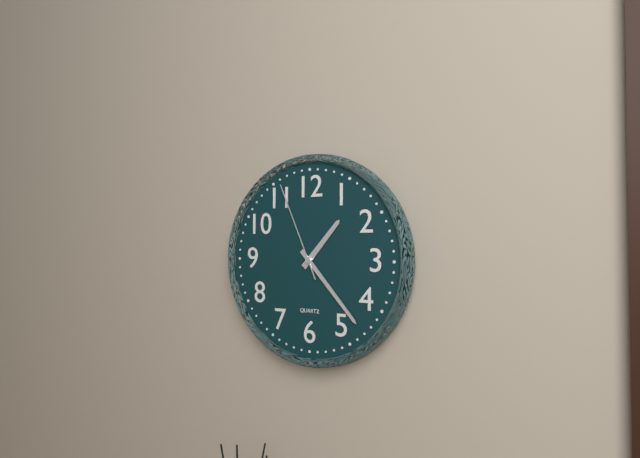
**1:23:56**
